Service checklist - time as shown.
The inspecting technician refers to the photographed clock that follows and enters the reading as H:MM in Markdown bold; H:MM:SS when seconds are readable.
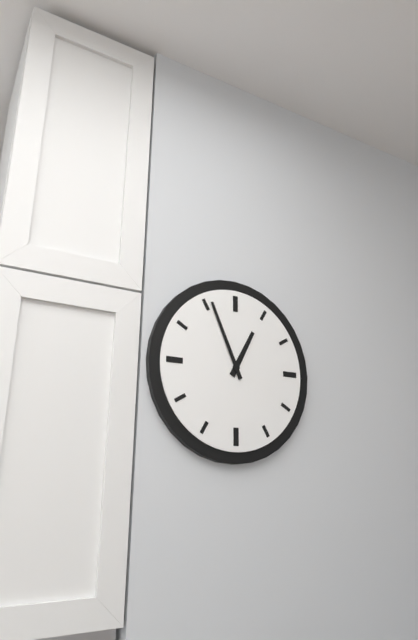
**12:56**
